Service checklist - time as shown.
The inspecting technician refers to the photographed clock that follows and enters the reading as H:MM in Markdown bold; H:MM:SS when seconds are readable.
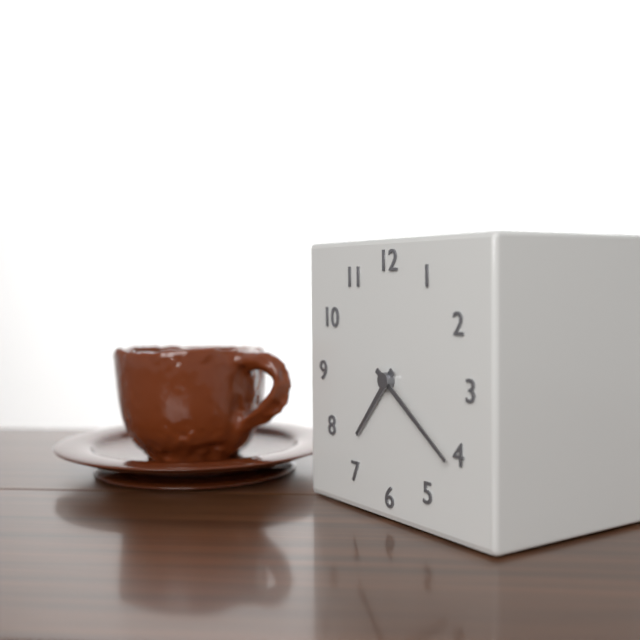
**7:21**
